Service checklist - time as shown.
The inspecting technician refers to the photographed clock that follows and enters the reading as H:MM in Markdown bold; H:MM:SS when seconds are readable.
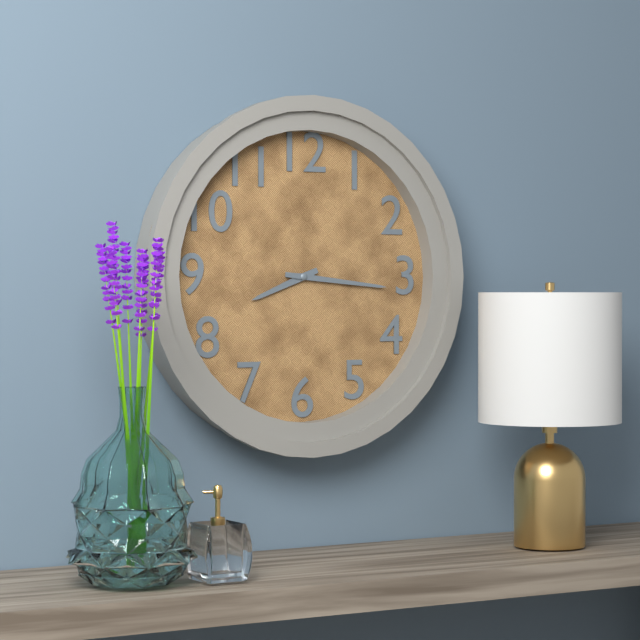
**8:16**
